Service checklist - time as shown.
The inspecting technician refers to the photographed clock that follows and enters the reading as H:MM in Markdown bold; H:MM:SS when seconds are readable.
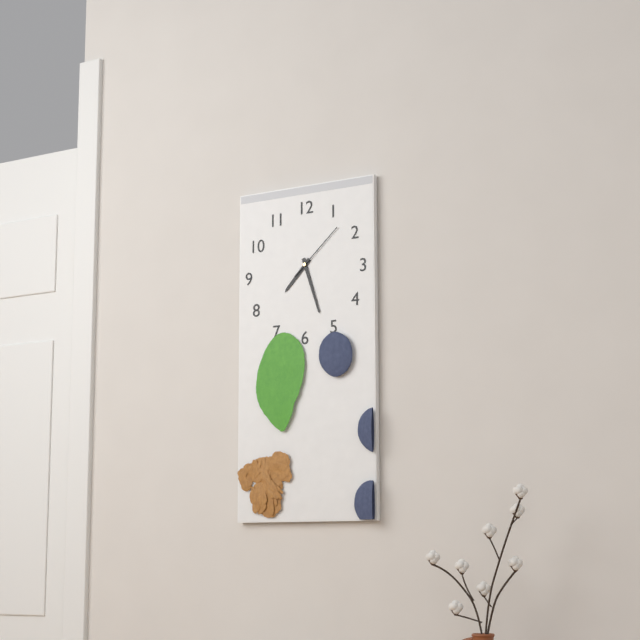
**7:27:08**
